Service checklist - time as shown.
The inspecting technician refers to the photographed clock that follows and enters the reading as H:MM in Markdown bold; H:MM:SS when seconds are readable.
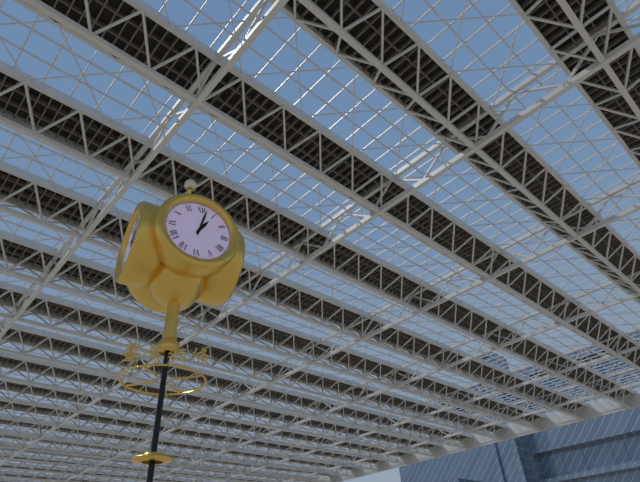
**1:02**
